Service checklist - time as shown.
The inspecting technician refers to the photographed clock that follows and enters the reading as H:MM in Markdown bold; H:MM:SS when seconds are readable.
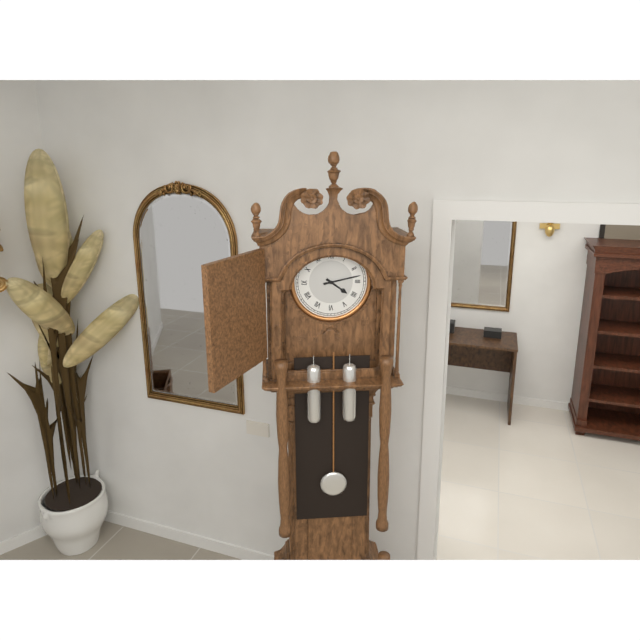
**4:13**
